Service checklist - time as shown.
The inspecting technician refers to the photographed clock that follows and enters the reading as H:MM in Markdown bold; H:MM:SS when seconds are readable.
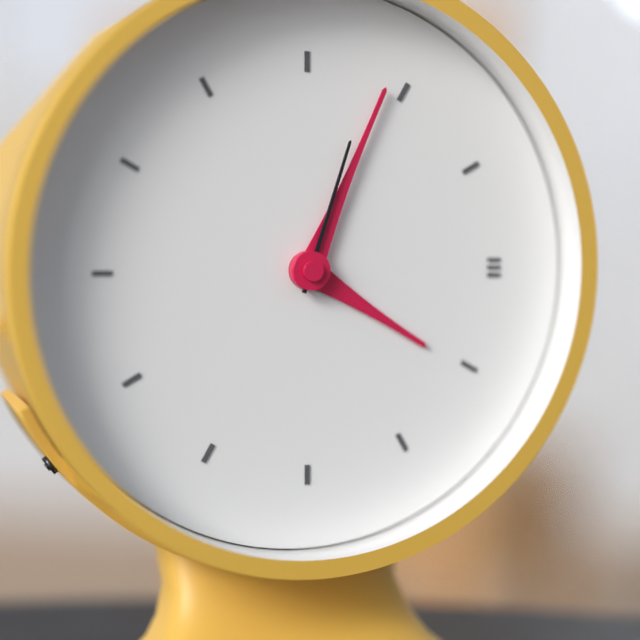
**4:04:03**
